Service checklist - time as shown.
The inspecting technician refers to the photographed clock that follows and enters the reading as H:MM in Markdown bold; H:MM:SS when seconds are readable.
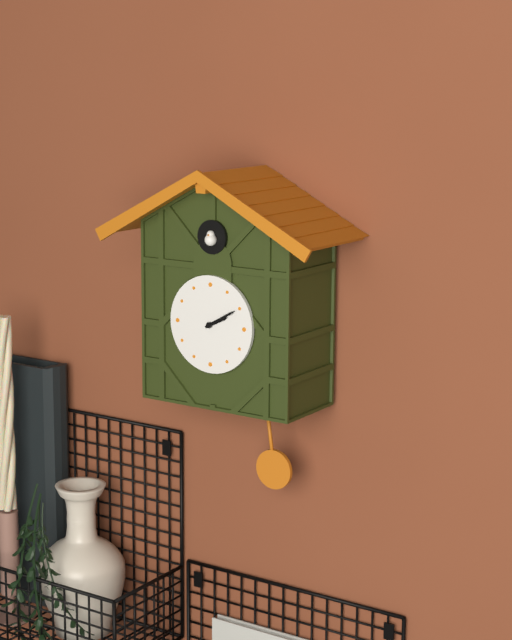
**2:10**
